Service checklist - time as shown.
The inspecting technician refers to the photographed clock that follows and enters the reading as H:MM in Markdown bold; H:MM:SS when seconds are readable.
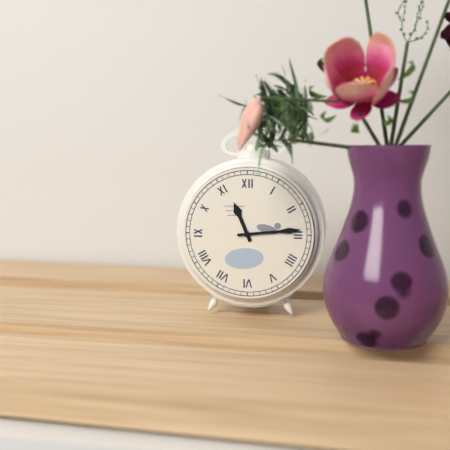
**11:14**
